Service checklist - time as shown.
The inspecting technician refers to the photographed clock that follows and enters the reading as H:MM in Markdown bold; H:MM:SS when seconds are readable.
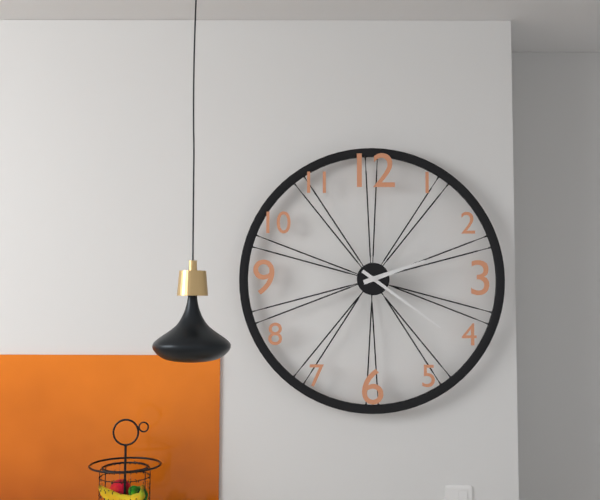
**2:21**
